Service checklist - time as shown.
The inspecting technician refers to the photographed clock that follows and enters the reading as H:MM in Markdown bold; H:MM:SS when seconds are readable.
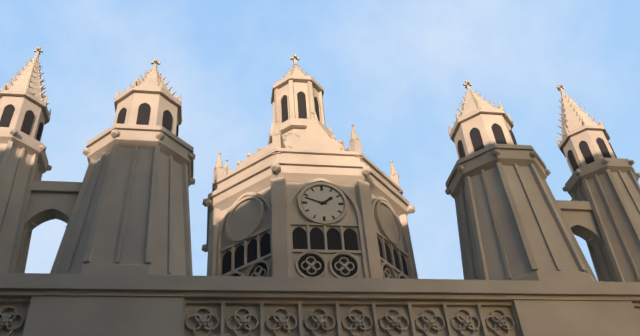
**1:48**
